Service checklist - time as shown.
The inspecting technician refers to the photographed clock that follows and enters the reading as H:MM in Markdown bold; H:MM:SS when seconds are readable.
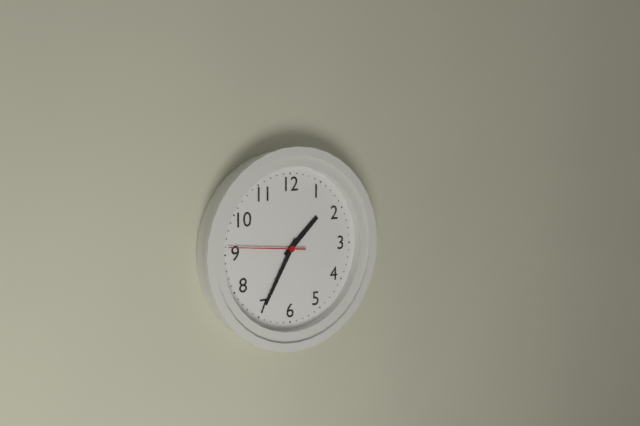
**1:35:46**
